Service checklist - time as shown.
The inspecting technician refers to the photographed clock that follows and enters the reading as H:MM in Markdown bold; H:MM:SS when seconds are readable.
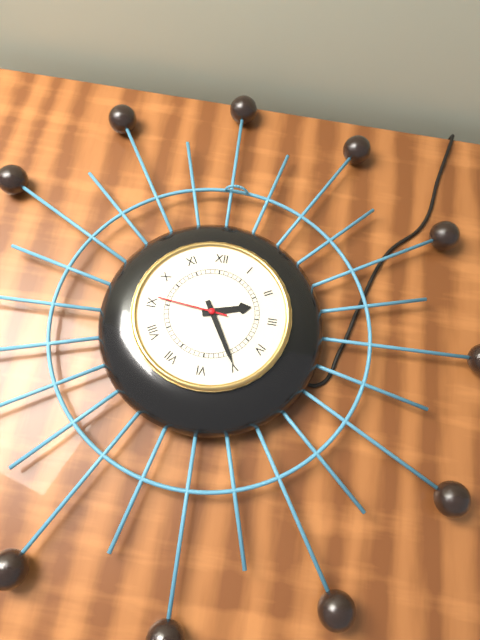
**2:25:46**
